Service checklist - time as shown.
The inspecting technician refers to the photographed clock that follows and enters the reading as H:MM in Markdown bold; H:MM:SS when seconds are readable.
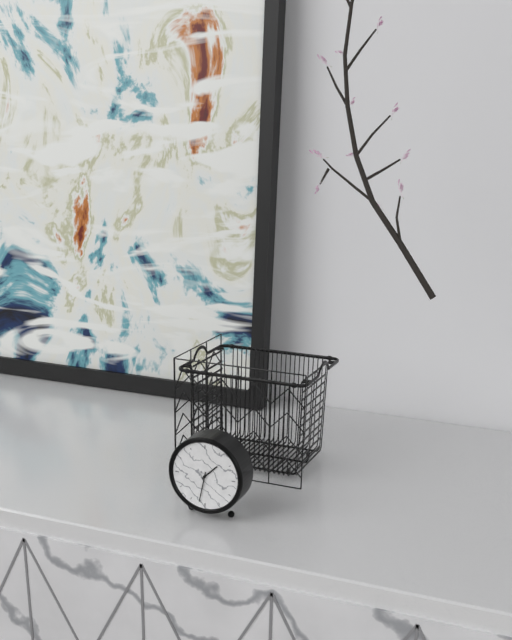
**1:32**
